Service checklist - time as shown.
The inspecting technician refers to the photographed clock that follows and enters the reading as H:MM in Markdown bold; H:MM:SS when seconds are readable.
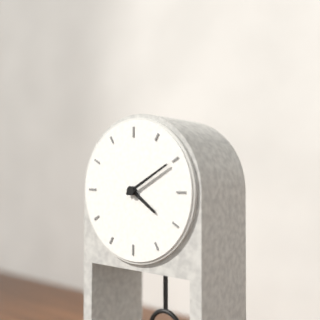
**4:10**
